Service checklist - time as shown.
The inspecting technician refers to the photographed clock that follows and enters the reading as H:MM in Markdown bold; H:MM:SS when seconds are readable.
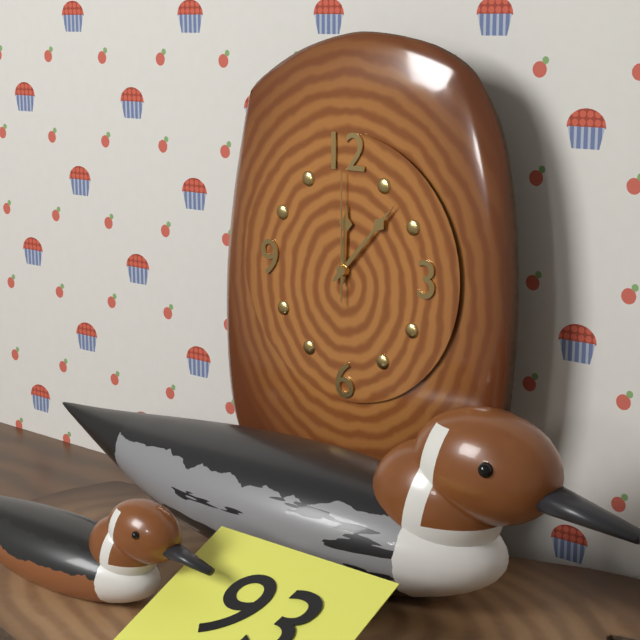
**12:07:00**
